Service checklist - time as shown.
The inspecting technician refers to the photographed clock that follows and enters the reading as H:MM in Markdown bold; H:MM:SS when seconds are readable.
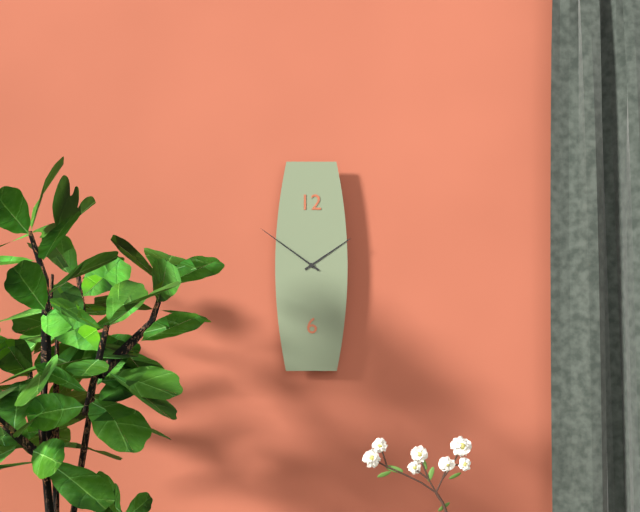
**1:51**
